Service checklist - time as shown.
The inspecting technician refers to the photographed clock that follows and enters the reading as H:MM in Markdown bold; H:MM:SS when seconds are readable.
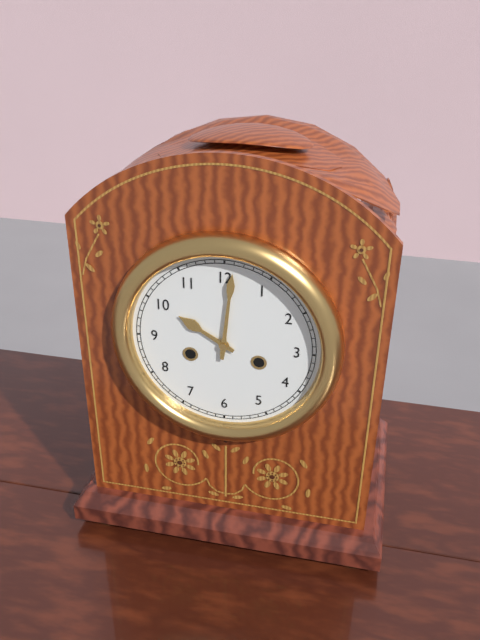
**10:01**
